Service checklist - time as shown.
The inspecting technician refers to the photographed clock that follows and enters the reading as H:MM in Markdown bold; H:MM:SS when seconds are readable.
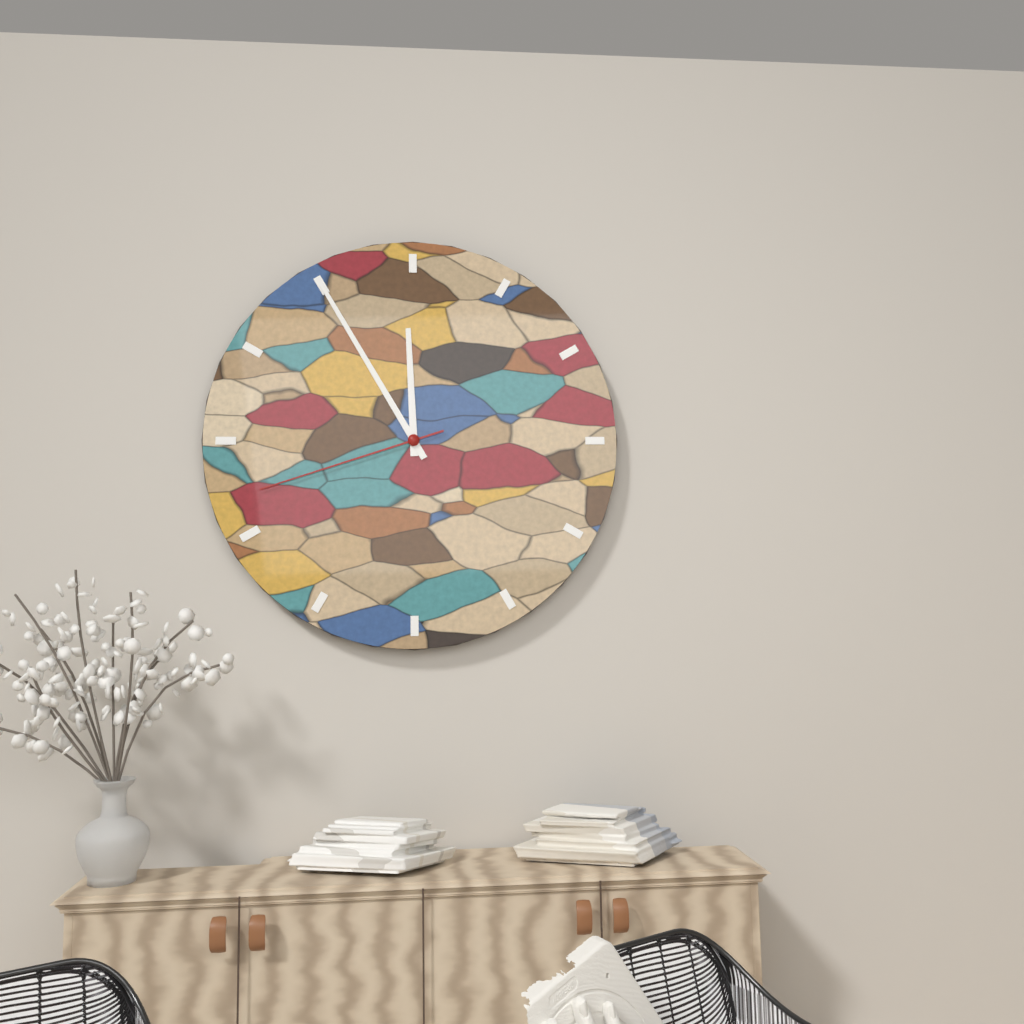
**11:55:42**
